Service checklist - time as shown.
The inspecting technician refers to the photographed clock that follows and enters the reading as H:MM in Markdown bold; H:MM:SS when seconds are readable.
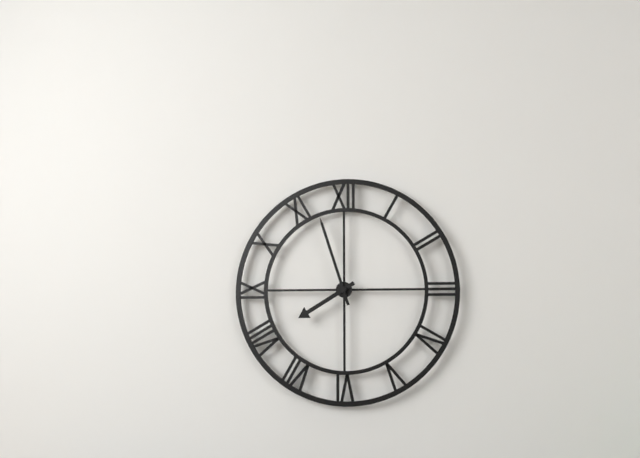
**7:57**
